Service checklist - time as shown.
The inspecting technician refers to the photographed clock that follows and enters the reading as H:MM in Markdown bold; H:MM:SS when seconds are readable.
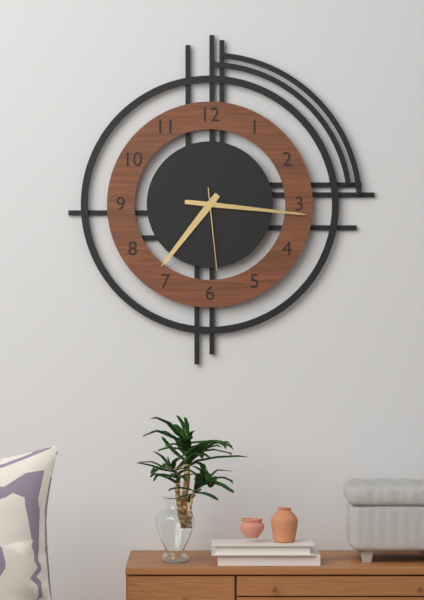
**7:16:29**
